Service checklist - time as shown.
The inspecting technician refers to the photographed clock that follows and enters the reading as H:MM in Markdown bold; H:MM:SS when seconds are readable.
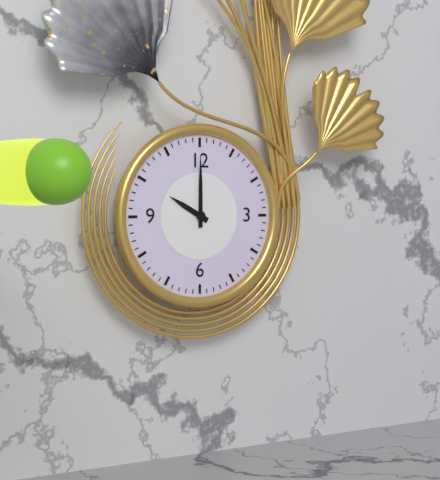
**10:00**
